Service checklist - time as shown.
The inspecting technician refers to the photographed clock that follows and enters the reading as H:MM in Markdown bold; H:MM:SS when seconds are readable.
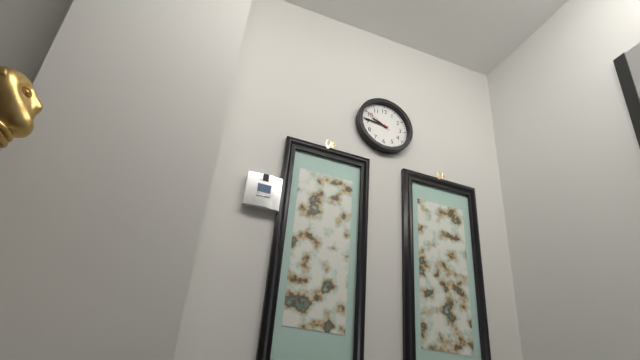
**9:46**
